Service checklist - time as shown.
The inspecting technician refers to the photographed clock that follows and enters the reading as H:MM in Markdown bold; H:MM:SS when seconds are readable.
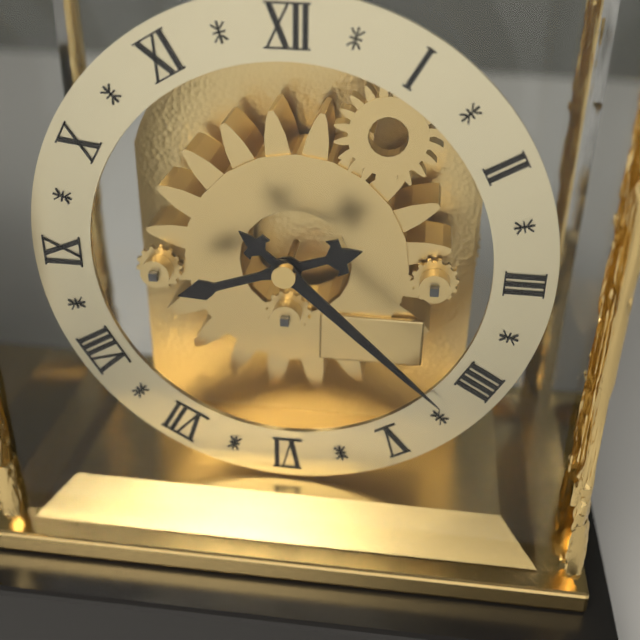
**8:22**
